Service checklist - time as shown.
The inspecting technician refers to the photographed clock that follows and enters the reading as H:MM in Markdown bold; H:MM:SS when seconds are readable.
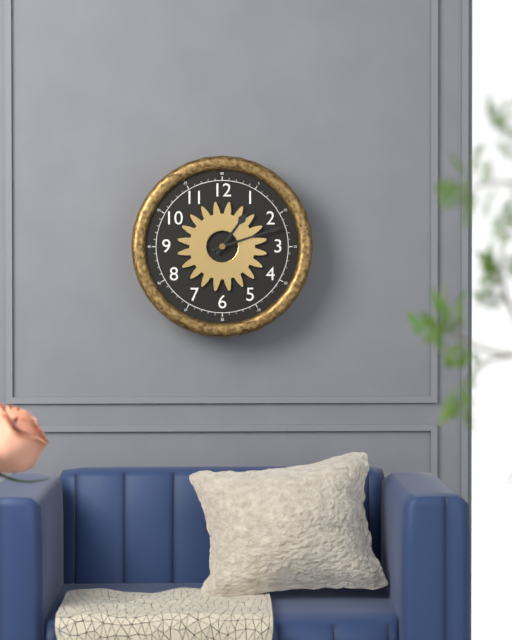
**1:12**
